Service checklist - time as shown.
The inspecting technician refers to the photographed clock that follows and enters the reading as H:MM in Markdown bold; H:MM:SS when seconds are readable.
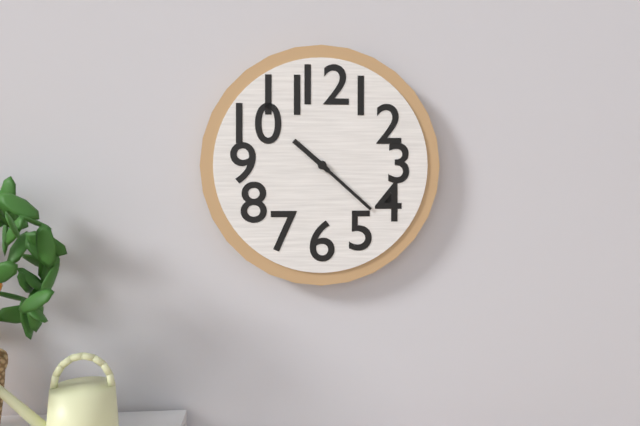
**10:22**
